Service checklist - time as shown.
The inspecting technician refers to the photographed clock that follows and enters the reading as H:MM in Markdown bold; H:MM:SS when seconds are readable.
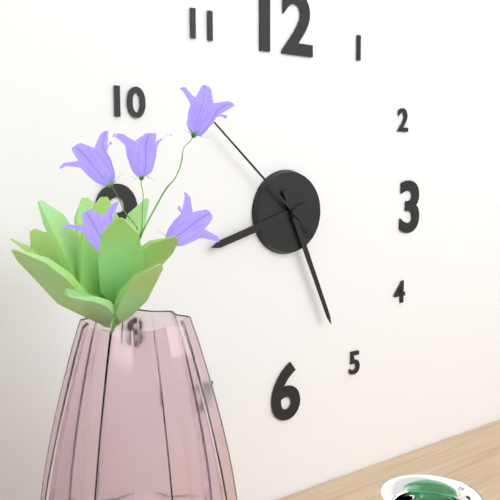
**8:26:52**
